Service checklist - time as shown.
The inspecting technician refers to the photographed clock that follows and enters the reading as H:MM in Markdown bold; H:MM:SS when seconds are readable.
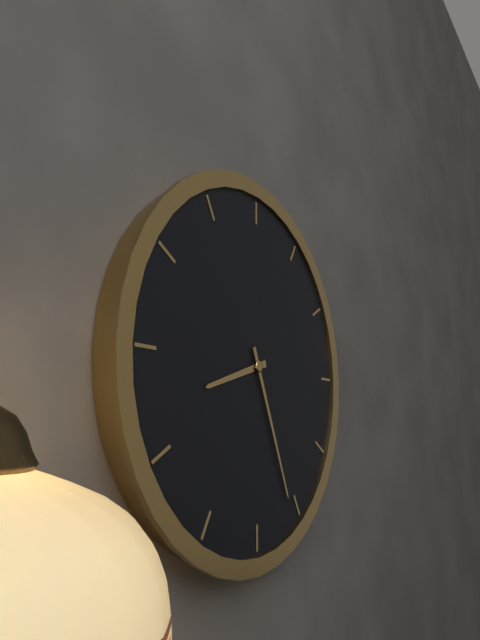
**8:26**
